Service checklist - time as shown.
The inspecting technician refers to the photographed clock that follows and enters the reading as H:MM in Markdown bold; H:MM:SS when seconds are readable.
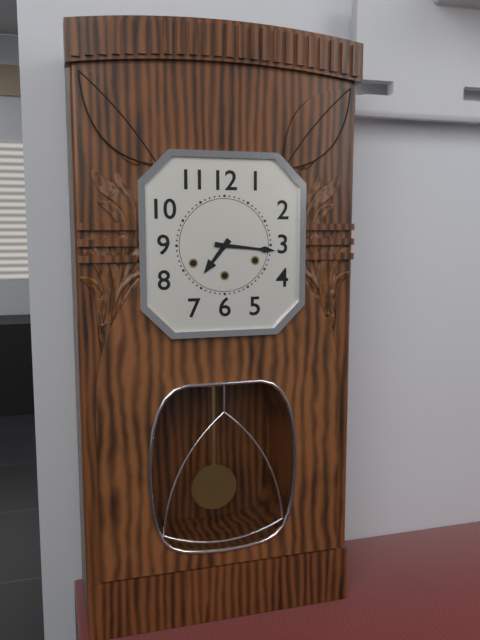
**7:16**
